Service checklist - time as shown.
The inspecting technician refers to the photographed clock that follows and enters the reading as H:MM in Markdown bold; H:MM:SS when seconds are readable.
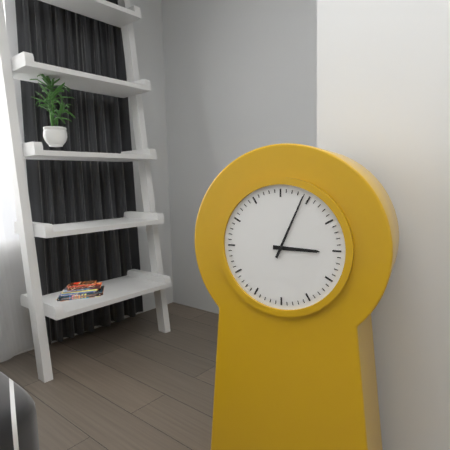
**3:04**
